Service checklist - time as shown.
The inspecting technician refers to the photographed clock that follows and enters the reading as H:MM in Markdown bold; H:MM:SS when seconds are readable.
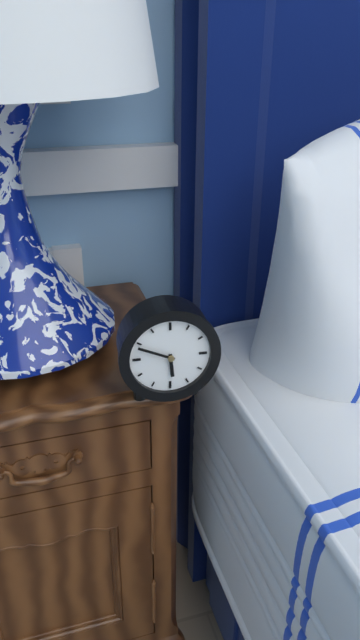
**5:49**
